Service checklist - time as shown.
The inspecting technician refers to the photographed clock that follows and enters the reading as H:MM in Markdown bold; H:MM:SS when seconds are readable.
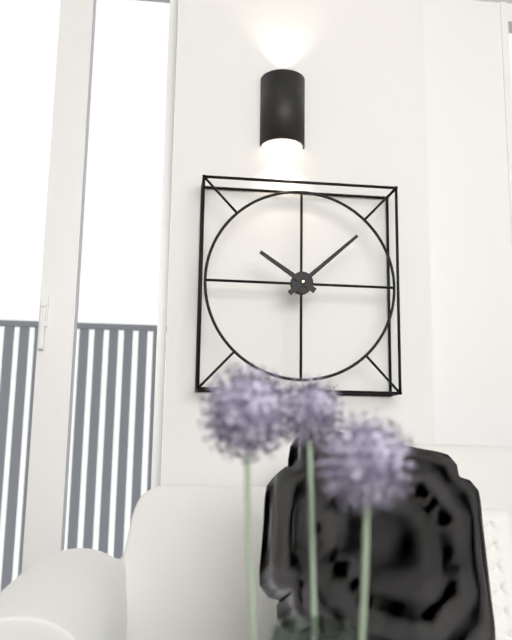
**10:08**
